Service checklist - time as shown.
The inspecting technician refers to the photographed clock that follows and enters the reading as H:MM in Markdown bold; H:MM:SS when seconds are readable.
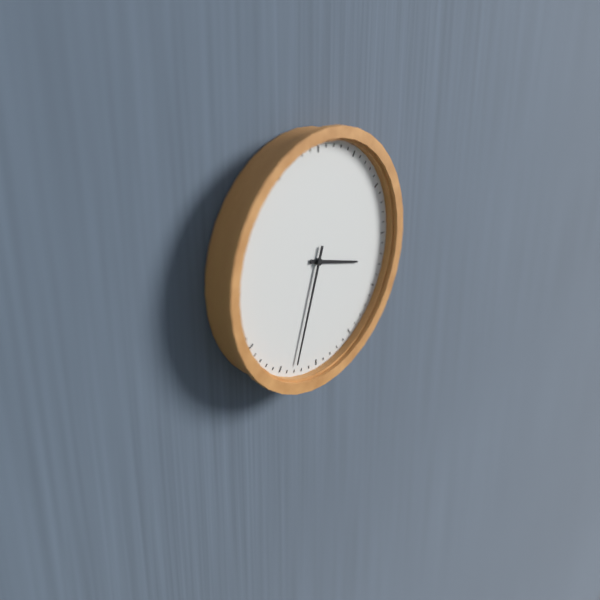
**3:33**
